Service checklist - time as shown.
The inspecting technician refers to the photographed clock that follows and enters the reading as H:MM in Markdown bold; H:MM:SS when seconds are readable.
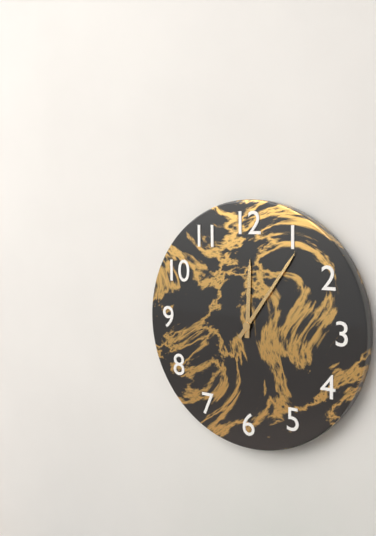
**12:06**
